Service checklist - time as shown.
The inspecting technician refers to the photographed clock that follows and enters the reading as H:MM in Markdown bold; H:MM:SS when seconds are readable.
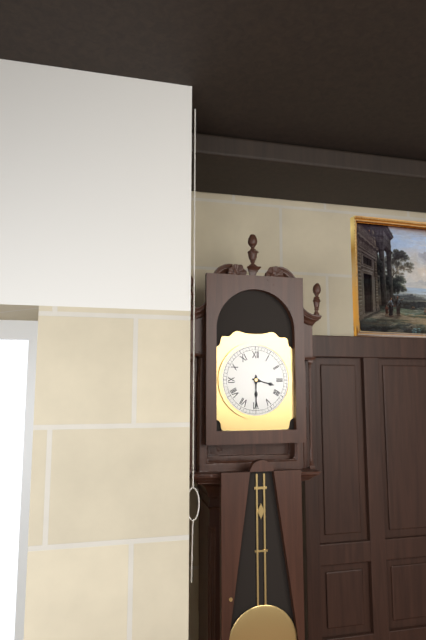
**3:30**
